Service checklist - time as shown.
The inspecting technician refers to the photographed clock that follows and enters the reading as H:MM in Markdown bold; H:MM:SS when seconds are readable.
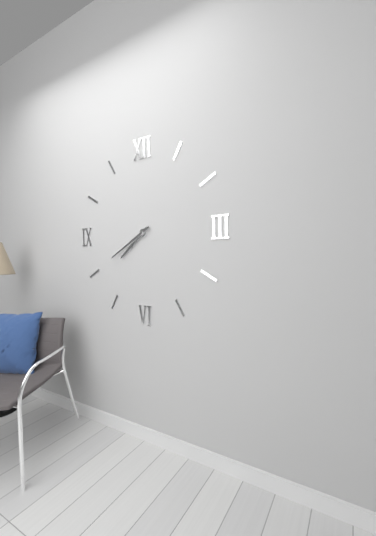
**7:40**
